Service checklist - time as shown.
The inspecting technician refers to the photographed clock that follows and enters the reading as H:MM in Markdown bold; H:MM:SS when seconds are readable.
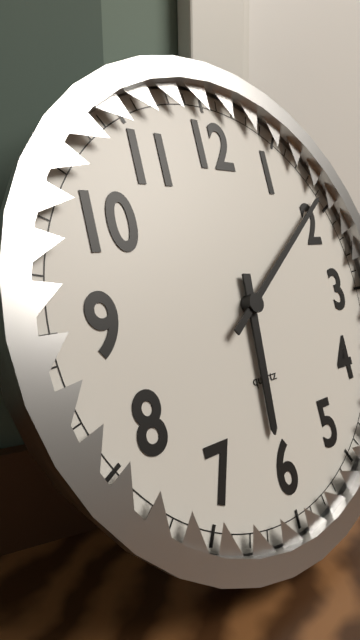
**6:09**
